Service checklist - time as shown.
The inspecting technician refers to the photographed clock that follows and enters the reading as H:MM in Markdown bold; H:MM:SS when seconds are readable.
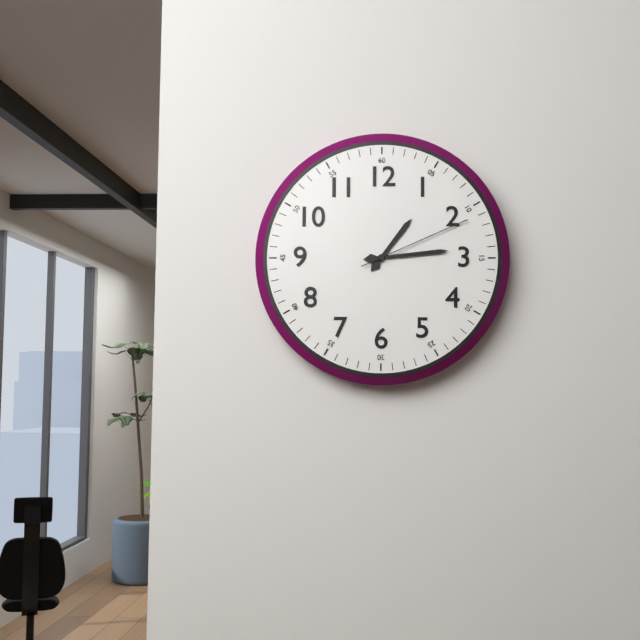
**1:14:11**
